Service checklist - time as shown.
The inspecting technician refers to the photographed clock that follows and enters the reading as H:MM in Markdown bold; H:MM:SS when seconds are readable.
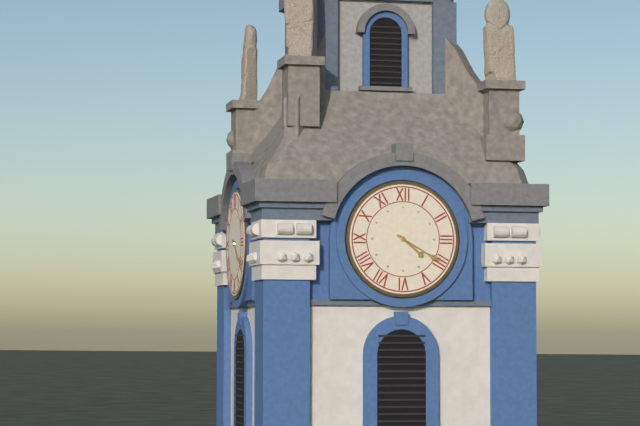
**4:20**
